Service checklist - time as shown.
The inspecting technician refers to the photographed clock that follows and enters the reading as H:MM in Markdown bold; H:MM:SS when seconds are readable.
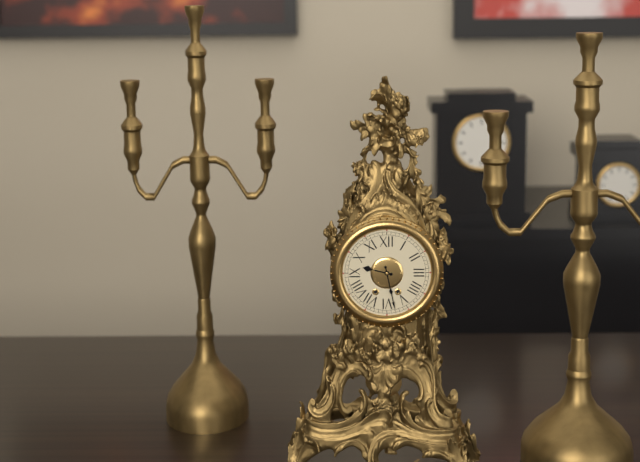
**9:28**
